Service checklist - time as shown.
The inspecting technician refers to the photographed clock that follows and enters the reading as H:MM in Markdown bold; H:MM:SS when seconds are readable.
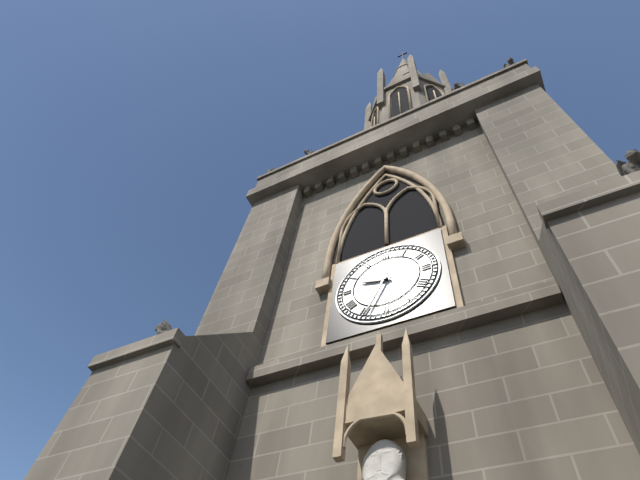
**9:34**
